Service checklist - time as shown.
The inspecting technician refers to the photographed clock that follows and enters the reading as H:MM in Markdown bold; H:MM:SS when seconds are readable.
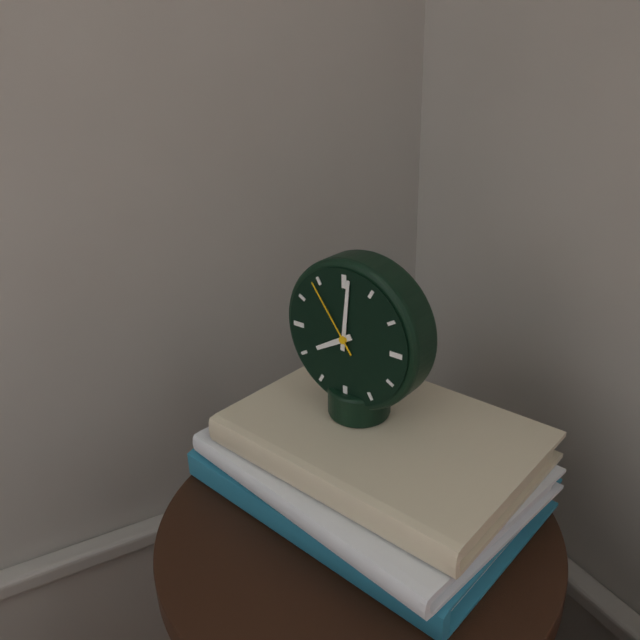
**8:01:54**
